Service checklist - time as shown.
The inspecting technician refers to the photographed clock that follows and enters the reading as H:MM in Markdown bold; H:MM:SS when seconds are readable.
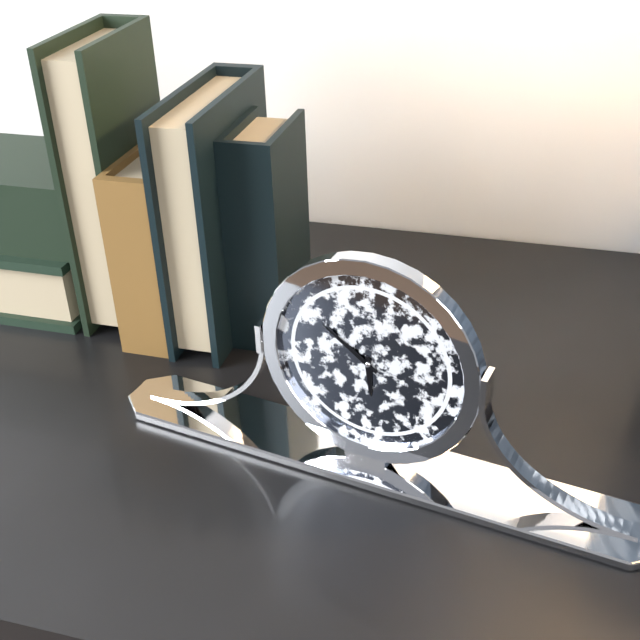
**5:51**
